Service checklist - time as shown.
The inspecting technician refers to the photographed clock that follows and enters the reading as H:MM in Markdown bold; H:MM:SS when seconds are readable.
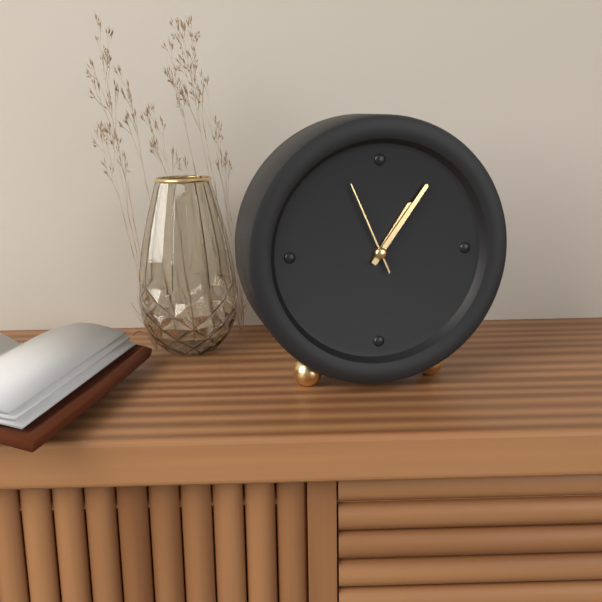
**1:06:56**
